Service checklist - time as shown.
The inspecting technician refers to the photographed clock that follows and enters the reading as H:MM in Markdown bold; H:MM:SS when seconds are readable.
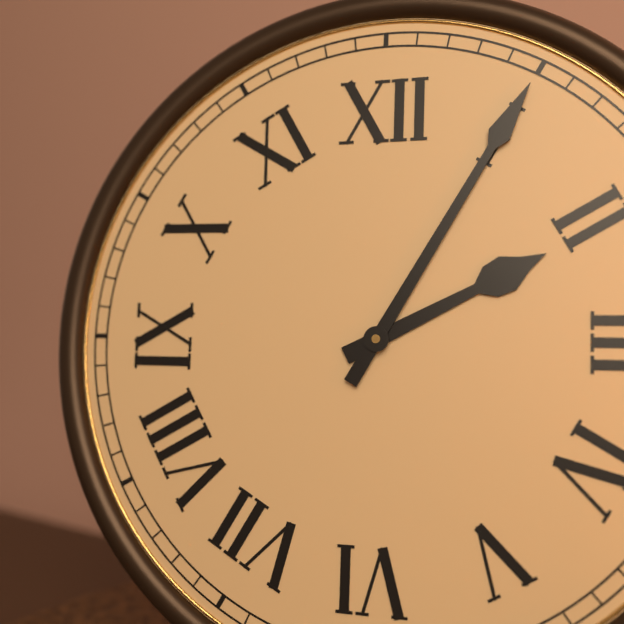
**2:05**
